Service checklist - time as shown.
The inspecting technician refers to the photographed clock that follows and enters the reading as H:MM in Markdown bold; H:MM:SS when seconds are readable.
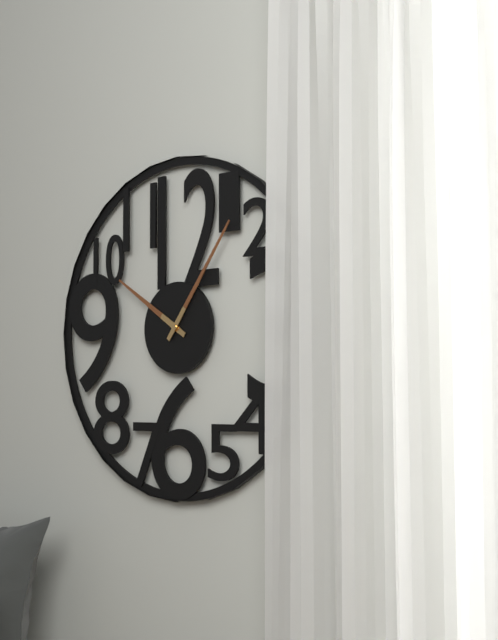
**10:06**
